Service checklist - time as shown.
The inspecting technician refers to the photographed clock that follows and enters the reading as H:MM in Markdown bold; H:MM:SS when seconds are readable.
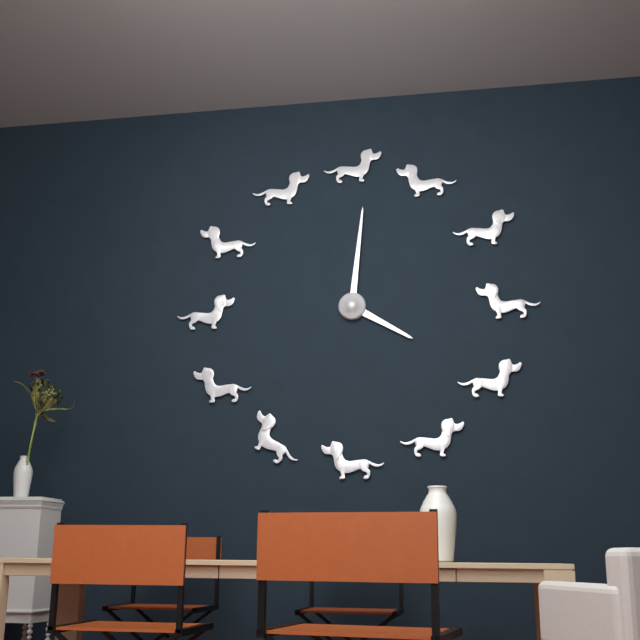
**4:01**
